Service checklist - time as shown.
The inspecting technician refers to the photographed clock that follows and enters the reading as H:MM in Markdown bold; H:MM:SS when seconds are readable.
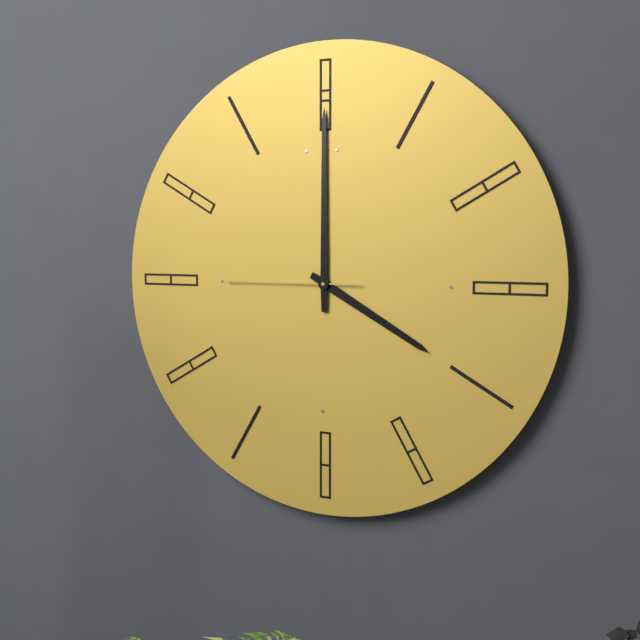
**4:00:45**
